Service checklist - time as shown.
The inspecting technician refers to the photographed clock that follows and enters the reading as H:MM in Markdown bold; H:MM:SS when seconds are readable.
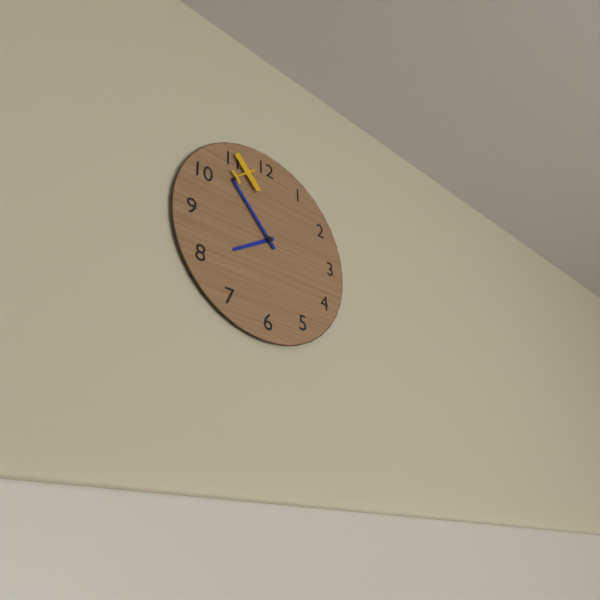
**7:53**
